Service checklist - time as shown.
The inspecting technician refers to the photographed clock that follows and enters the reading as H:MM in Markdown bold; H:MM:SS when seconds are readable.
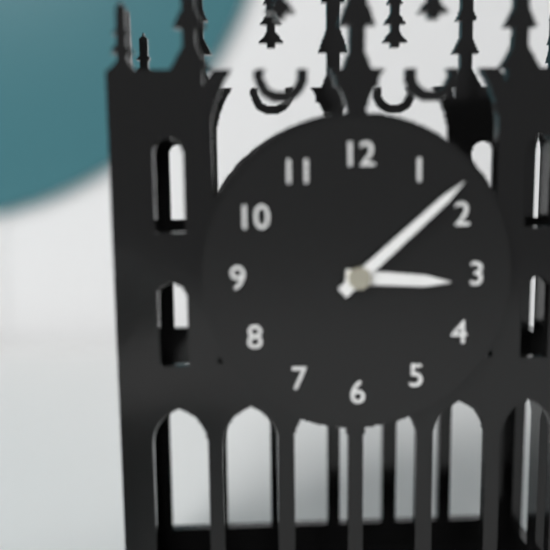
**3:08**
